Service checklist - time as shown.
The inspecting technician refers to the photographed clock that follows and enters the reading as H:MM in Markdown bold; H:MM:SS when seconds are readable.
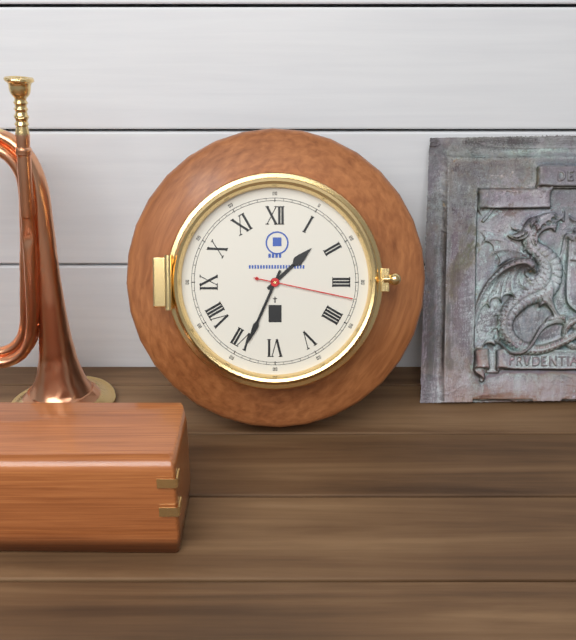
**1:34:17**
